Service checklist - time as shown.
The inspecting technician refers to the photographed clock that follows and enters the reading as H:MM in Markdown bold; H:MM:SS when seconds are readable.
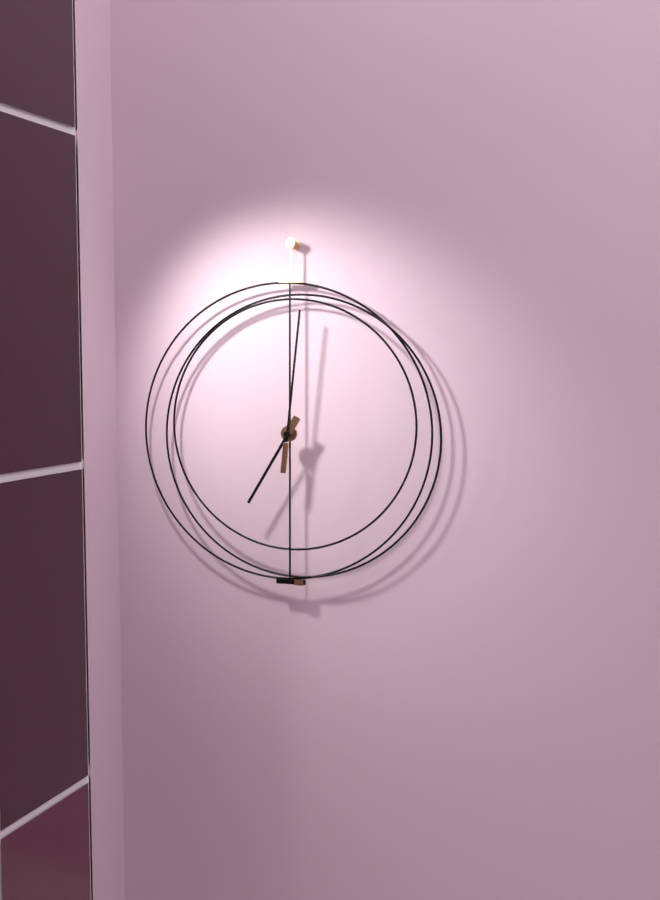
**7:01**
